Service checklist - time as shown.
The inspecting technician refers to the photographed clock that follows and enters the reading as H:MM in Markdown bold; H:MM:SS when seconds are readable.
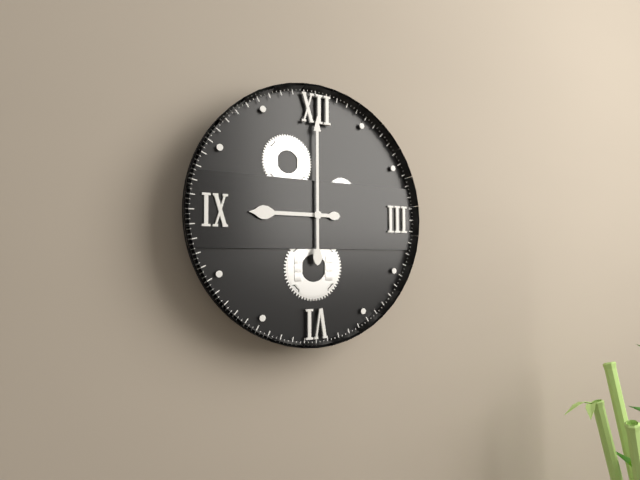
**9:00**
